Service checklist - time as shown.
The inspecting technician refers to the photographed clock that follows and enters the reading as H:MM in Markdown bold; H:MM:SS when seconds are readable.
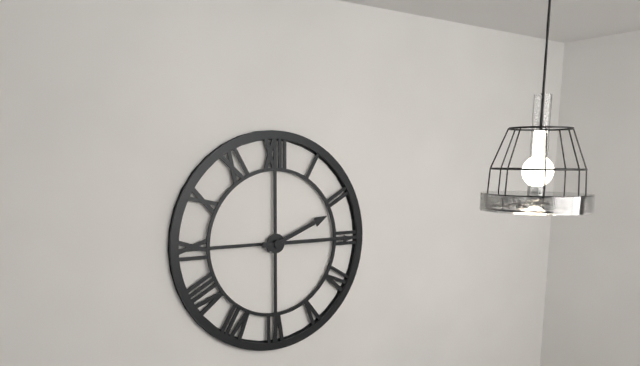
**2:15**
